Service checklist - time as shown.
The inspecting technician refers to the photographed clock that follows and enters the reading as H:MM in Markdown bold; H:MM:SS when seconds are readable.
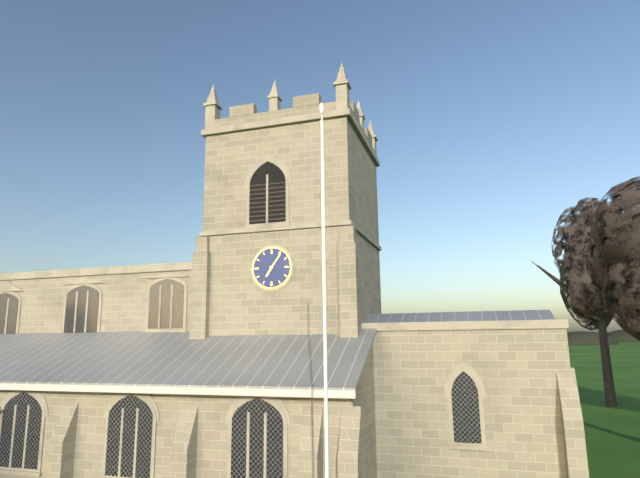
**7:06**
